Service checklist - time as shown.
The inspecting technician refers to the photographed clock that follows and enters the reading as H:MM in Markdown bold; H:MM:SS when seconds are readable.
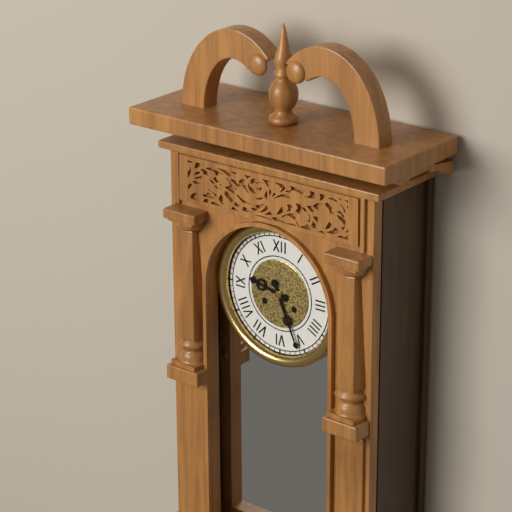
**9:26**
